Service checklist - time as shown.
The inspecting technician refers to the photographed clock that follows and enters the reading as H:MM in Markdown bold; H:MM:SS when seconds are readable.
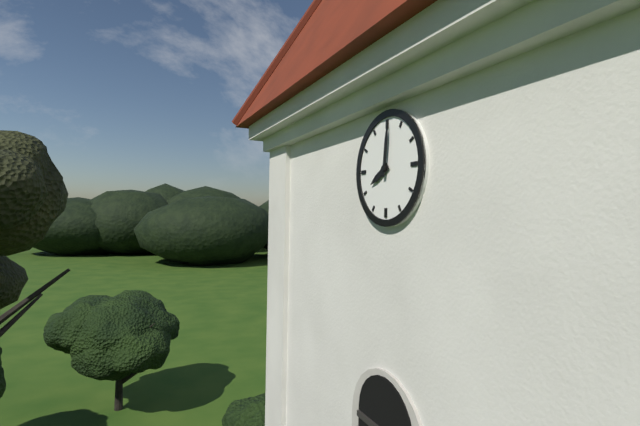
**8:01**
